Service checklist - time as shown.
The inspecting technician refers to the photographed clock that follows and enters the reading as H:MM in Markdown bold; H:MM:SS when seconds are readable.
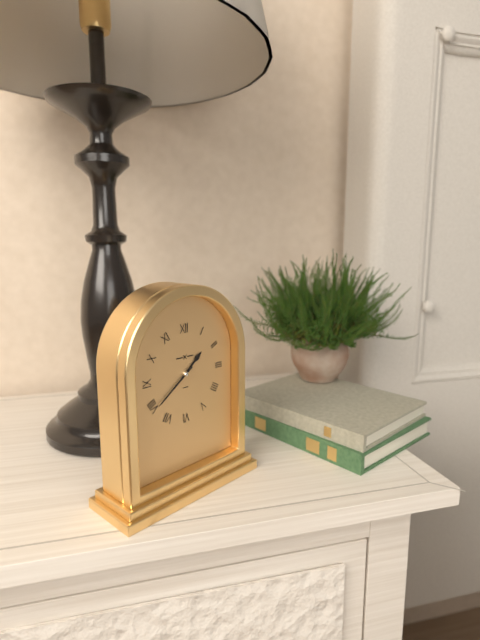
**1:39**
